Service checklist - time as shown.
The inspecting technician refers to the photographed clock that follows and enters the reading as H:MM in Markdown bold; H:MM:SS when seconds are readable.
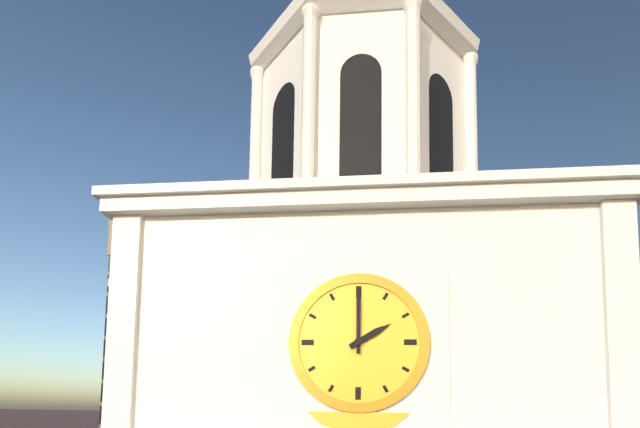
**2:00**
